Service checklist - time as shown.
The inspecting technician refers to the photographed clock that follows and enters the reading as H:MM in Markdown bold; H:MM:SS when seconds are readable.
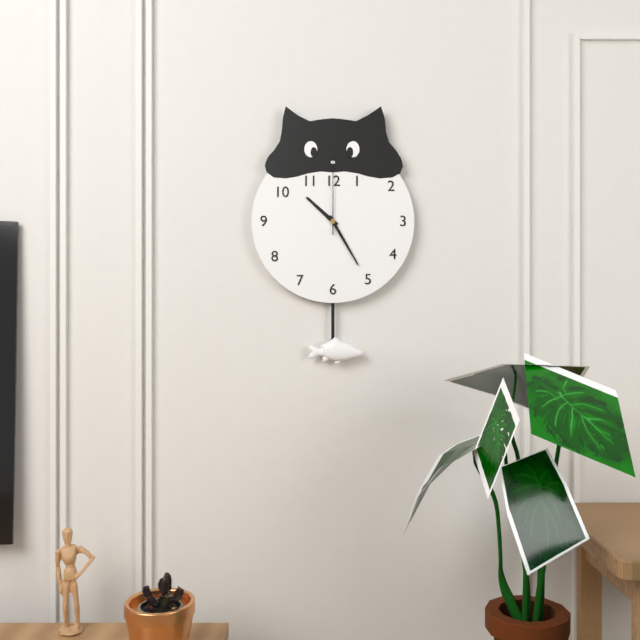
**10:25:00**
